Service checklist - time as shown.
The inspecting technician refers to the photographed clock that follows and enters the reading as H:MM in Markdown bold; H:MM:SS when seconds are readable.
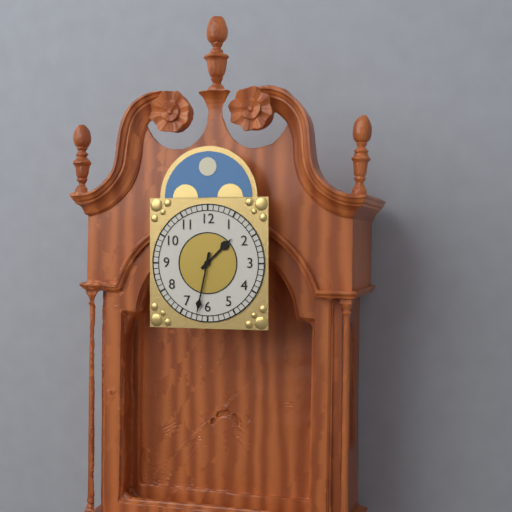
**1:32**
